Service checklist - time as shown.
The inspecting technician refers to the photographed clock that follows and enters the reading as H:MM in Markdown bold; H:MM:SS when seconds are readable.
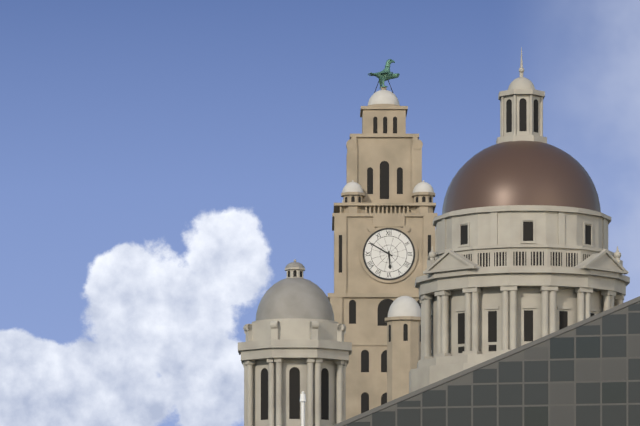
**5:50**
